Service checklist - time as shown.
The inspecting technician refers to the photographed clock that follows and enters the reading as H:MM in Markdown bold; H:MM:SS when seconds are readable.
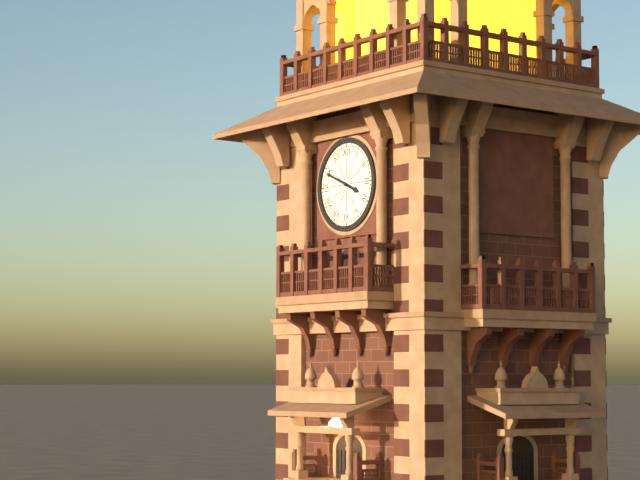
**3:49**
